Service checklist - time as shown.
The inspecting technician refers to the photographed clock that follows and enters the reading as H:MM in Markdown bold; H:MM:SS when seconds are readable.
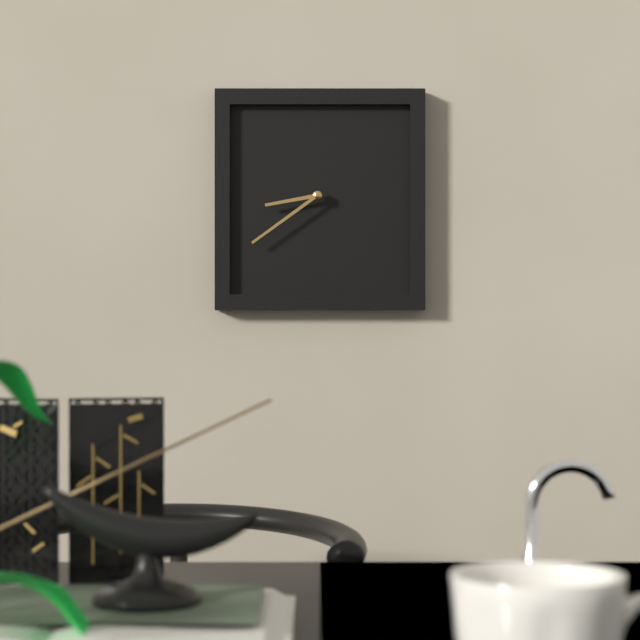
**8:39**
